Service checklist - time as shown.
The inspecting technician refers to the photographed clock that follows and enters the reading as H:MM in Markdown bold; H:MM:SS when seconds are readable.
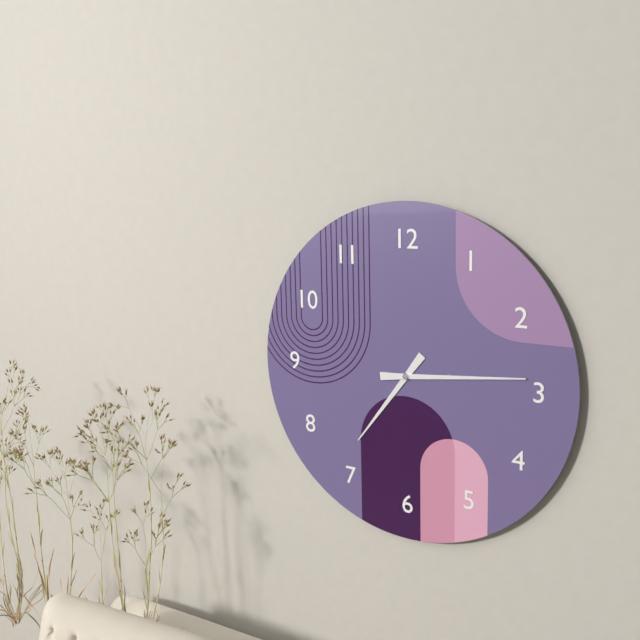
**7:14**
